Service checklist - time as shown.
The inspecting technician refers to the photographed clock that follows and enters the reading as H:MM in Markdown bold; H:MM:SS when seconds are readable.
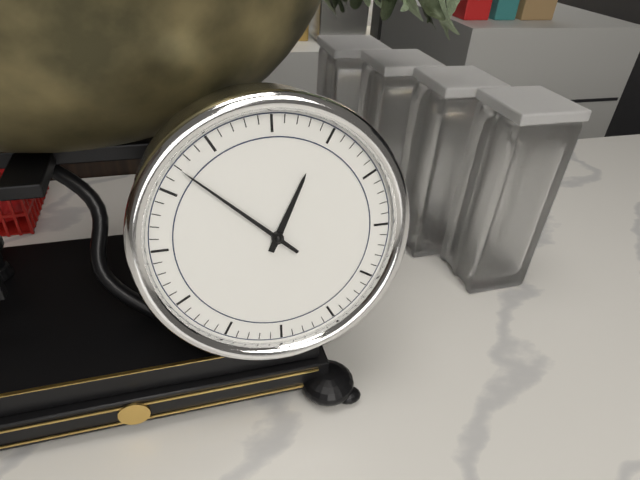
**12:52**
